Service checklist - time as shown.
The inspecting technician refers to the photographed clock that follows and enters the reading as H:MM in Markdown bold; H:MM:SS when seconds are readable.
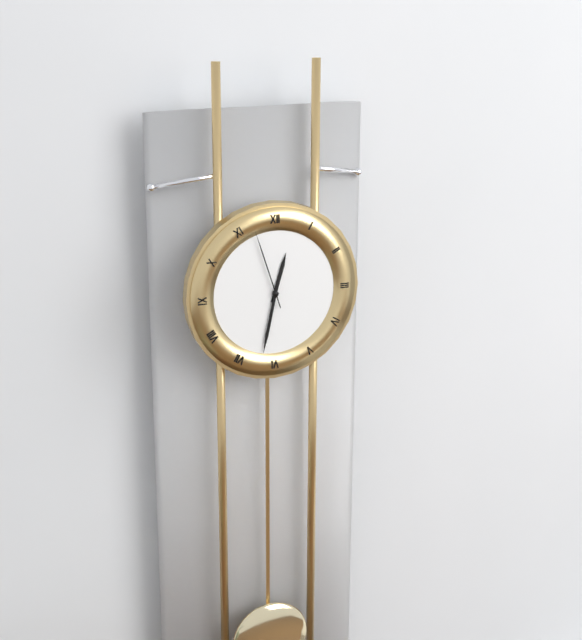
**12:32:57**
